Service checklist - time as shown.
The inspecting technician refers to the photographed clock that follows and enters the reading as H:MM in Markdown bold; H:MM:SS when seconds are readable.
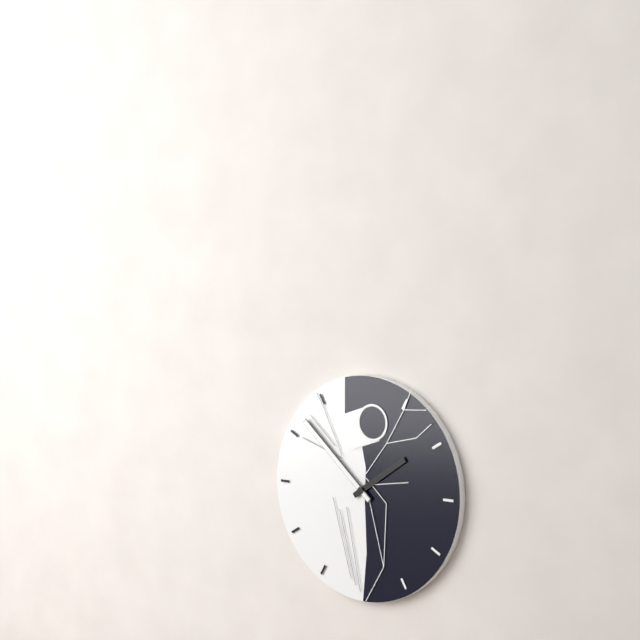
**1:52**
